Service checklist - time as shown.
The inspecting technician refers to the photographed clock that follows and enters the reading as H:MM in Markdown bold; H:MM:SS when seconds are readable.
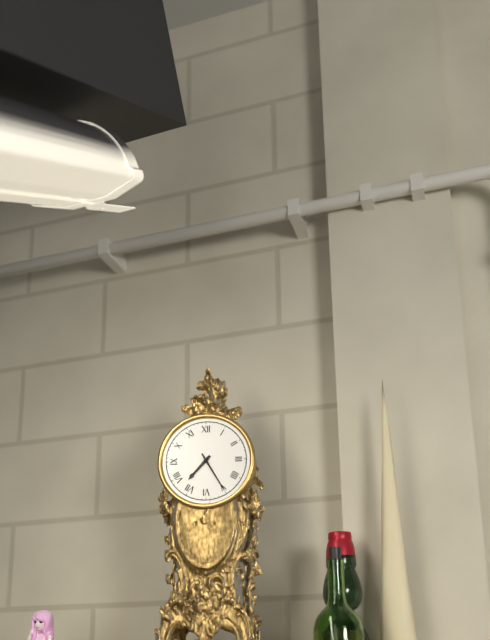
**7:25**
